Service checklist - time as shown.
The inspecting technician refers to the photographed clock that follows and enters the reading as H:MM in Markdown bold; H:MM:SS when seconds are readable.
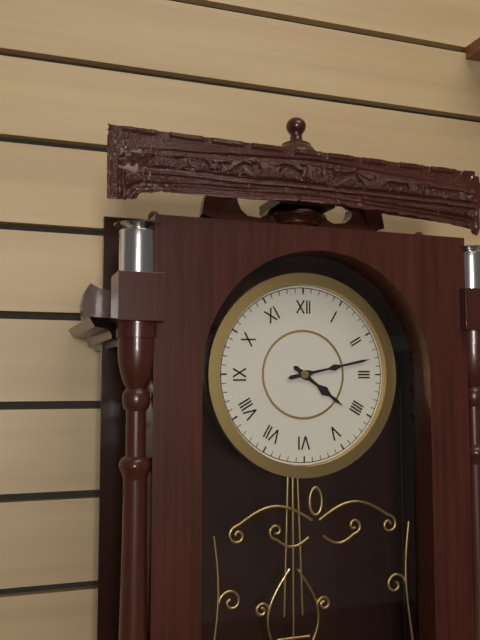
**4:13**
